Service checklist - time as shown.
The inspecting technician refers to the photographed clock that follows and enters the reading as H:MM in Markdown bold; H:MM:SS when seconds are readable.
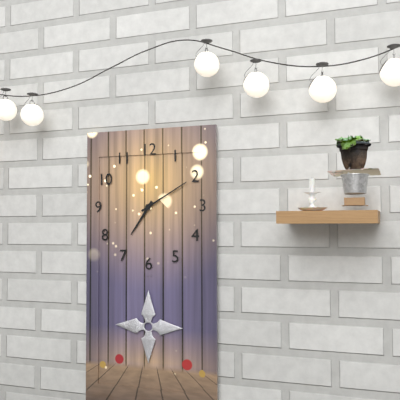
**7:10**
